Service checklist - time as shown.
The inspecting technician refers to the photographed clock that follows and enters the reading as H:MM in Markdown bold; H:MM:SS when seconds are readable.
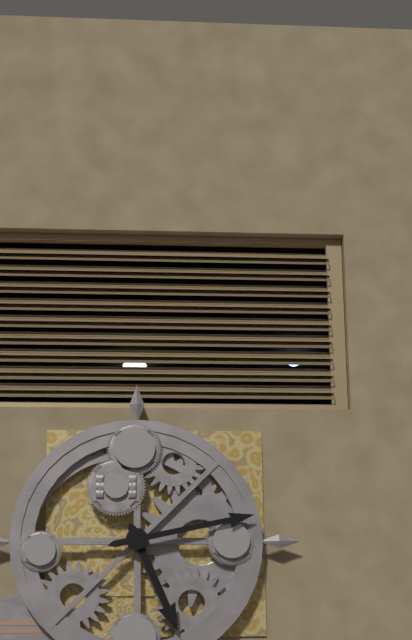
**5:13**
